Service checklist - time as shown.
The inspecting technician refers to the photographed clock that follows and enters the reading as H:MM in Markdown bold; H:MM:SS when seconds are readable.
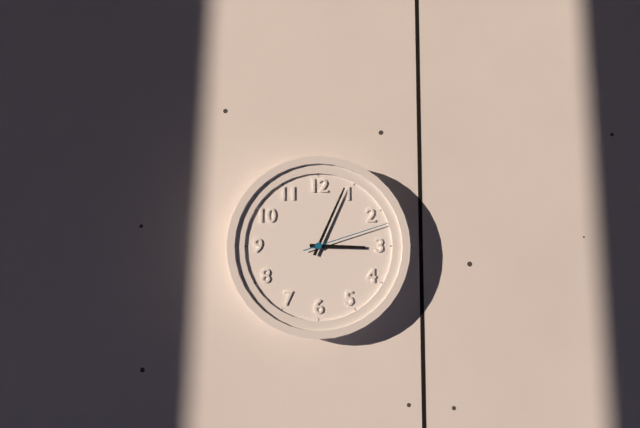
**3:04:12**
